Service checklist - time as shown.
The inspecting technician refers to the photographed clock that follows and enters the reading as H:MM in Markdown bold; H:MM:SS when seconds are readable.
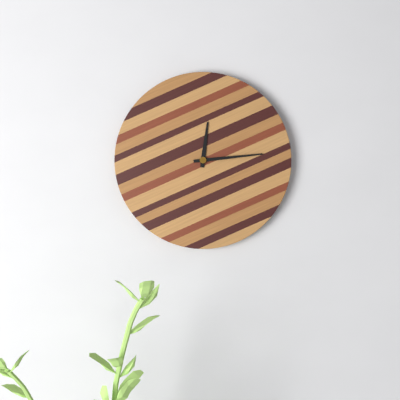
**12:14**
